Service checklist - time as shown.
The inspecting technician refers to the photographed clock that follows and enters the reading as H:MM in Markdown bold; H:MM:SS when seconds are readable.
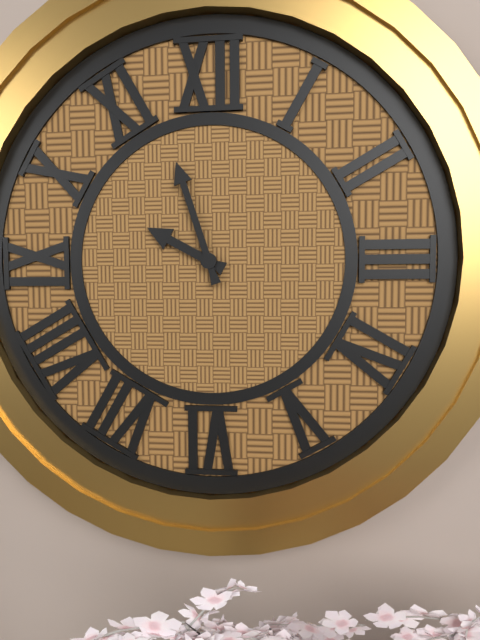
**9:57**
